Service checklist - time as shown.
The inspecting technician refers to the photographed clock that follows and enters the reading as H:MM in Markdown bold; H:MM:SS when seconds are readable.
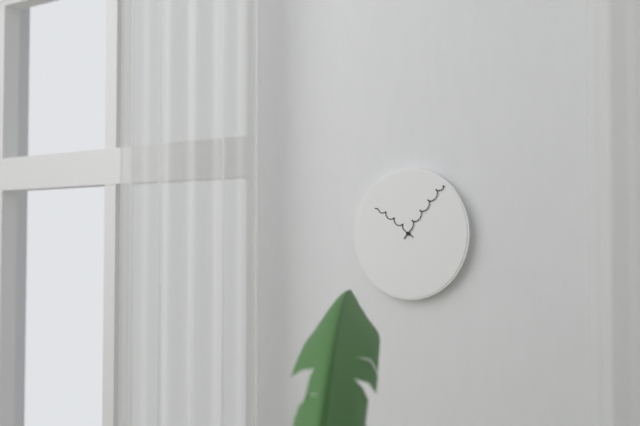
**10:07**
